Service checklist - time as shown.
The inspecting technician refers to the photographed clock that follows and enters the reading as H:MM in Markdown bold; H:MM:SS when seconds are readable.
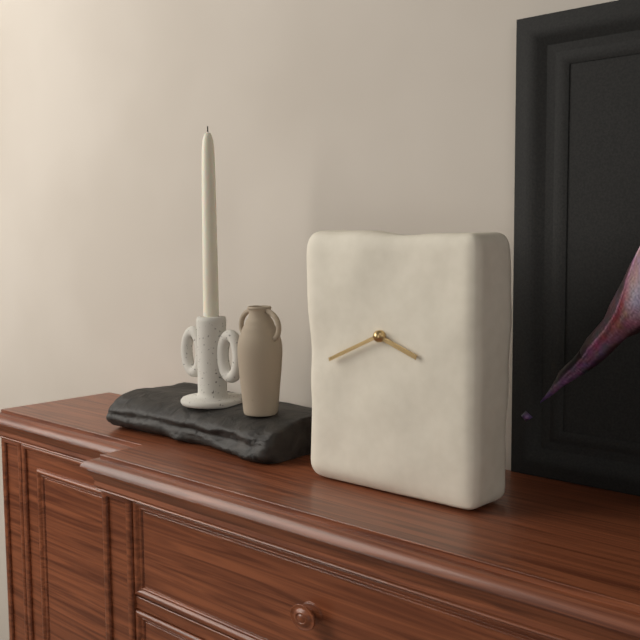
**3:41**
